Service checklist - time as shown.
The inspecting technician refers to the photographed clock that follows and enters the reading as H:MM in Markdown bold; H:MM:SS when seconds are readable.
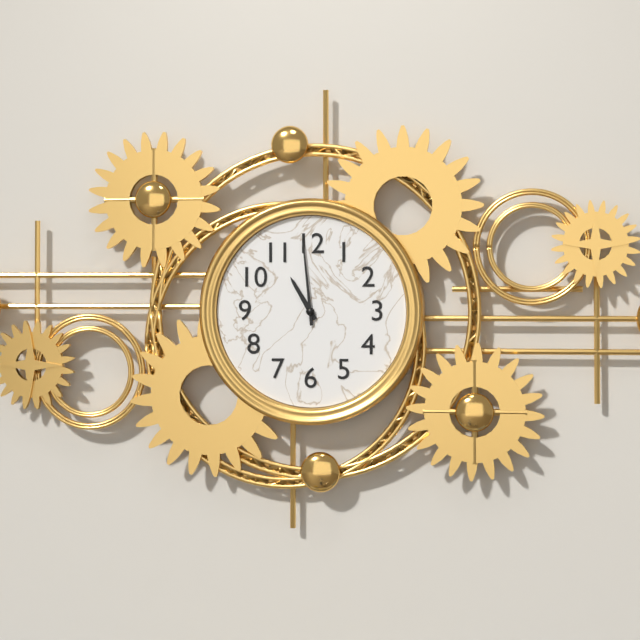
**10:59**
